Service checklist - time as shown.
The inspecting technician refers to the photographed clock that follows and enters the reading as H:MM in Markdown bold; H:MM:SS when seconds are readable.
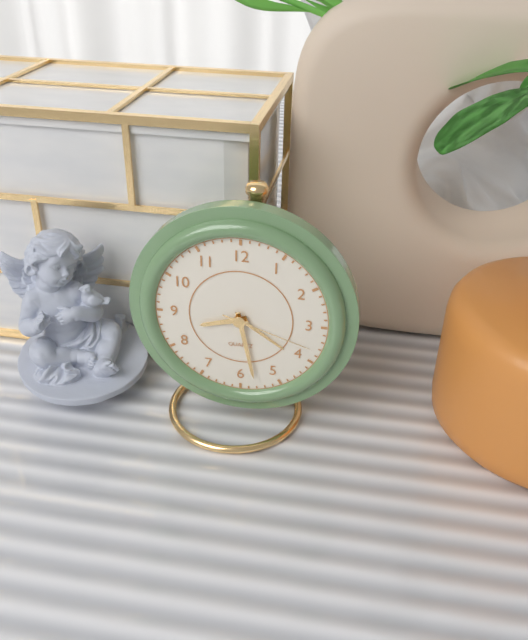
**8:28:18**
